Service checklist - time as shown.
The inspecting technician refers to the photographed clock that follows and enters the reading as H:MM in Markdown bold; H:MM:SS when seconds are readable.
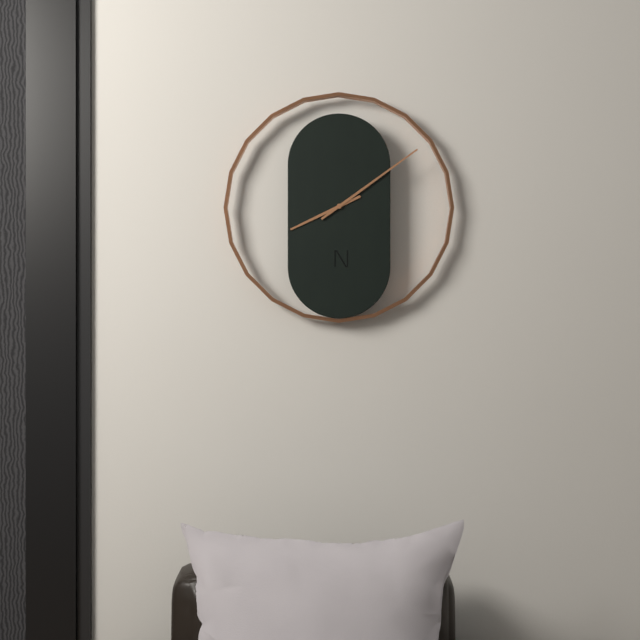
**8:09**
